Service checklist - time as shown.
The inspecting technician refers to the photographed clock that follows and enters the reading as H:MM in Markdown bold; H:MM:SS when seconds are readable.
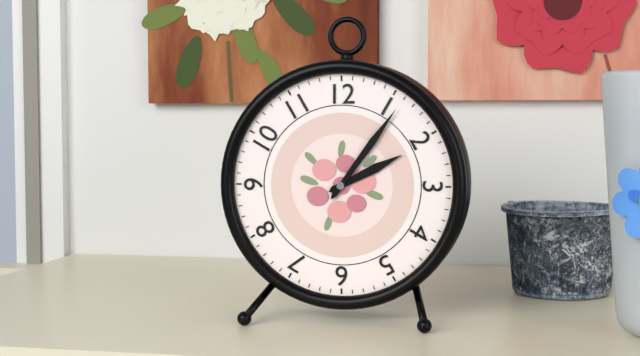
**2:06**
